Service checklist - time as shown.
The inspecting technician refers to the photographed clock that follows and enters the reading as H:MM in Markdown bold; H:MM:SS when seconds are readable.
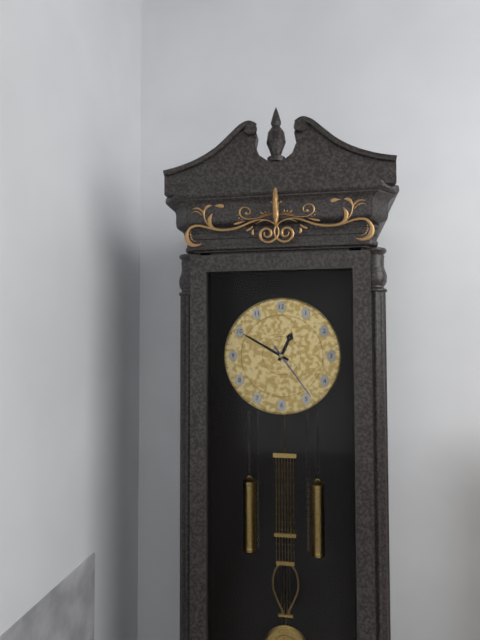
**12:50:24**
